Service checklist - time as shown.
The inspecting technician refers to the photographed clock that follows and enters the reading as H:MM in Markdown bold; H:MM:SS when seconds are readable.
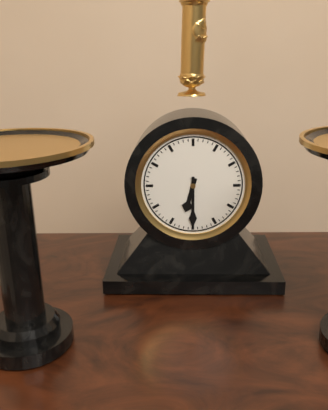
**6:30**
